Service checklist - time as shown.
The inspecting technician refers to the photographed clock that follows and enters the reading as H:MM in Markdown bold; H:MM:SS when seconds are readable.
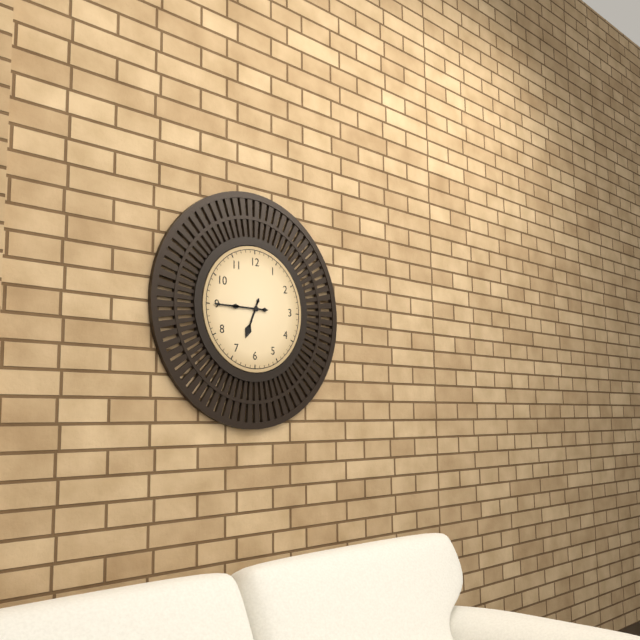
**6:45**
